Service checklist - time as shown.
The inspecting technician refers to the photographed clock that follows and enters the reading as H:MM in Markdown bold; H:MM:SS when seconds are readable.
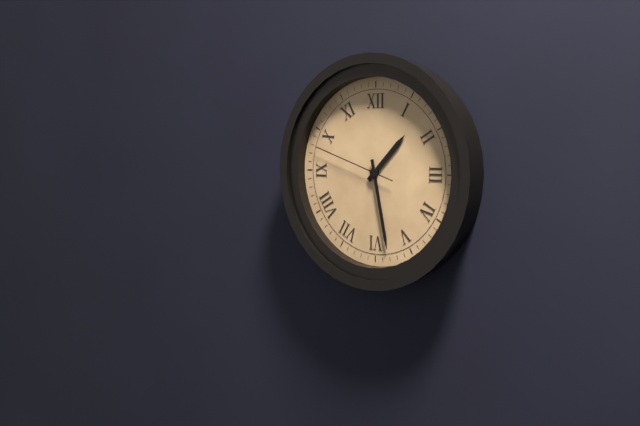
**1:28:48**
